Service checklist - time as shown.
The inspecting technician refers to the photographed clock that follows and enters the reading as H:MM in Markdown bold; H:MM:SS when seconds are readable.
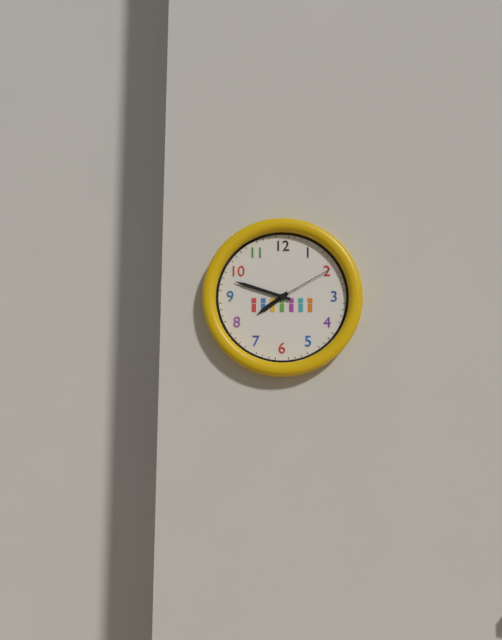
**7:48:10**
